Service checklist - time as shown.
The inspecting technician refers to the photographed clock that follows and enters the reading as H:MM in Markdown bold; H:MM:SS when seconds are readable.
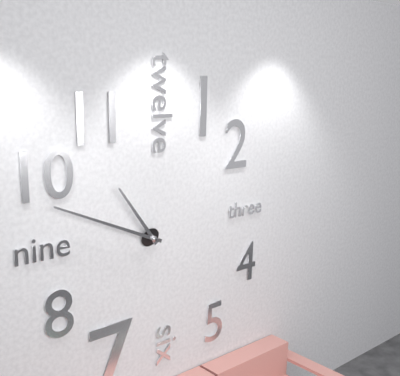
**10:49**
